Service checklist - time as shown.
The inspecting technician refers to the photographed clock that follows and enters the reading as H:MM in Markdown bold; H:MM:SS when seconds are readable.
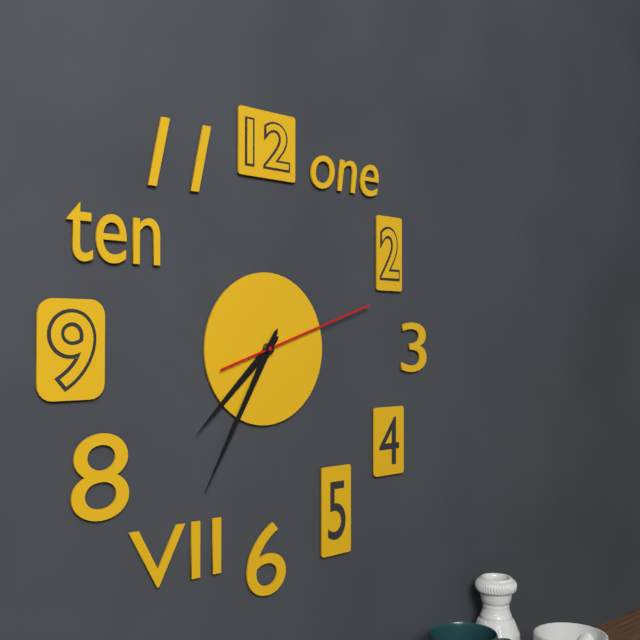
**7:35:12**
